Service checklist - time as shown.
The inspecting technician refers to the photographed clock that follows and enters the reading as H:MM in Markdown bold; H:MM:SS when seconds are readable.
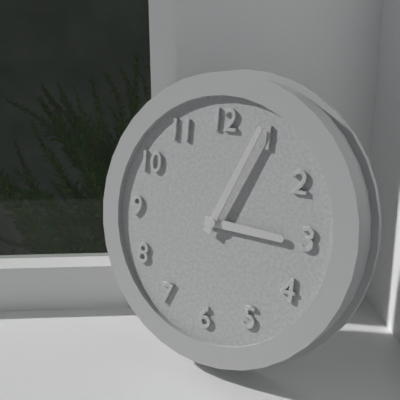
**3:04**
